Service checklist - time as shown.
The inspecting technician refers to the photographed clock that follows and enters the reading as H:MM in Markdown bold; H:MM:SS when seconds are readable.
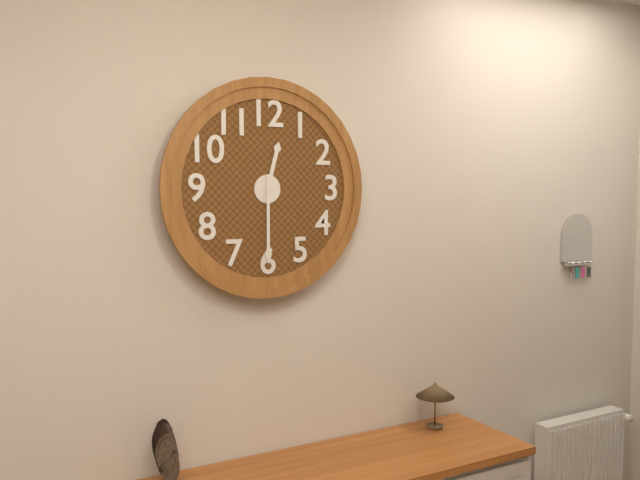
**12:30**
